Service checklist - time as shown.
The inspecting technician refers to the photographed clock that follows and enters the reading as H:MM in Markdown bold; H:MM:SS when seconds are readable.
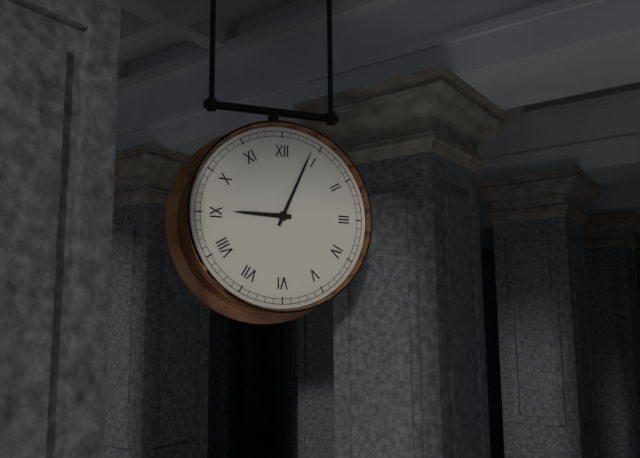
**9:04**
